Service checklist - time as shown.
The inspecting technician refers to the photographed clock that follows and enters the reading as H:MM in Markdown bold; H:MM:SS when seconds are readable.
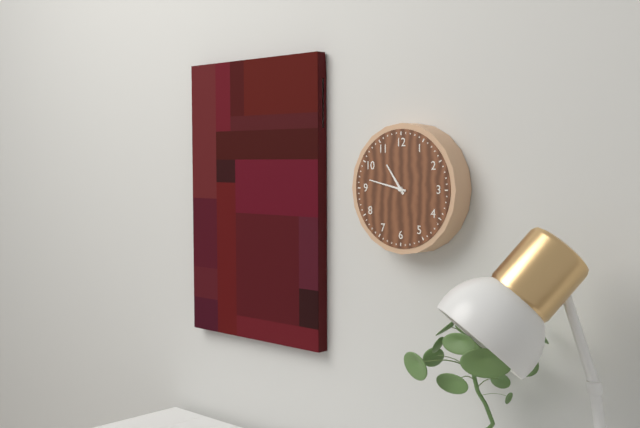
**10:47**
